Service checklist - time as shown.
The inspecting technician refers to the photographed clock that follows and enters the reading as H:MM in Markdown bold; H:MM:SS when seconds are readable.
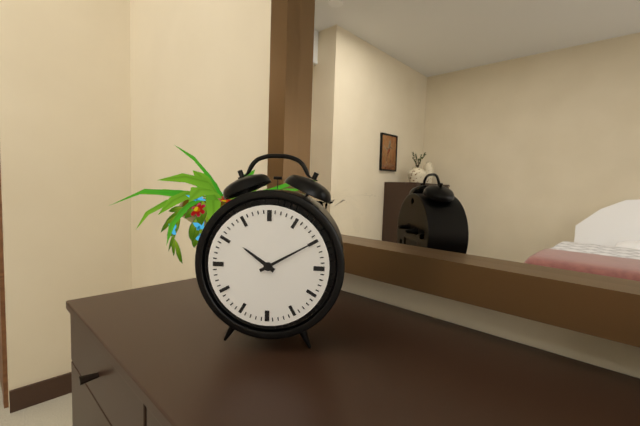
**10:10**
